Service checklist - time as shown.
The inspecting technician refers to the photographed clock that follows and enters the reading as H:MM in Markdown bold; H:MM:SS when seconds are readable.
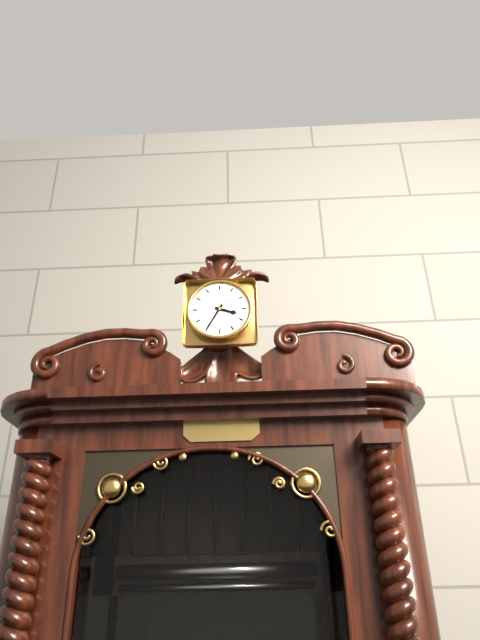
**3:35**
